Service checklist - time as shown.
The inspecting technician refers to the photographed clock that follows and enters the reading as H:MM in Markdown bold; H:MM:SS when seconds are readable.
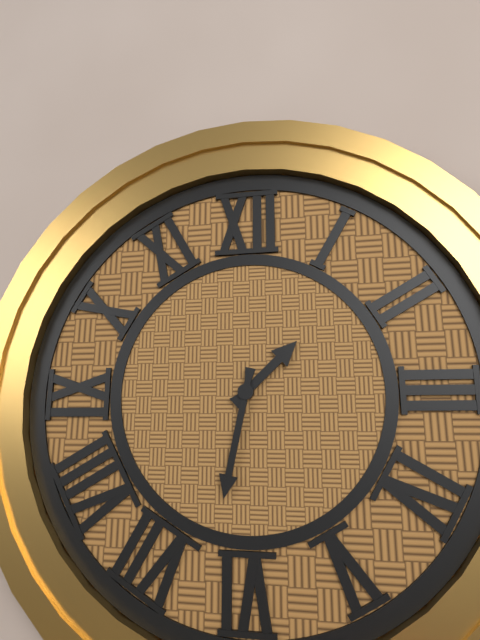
**1:32**
